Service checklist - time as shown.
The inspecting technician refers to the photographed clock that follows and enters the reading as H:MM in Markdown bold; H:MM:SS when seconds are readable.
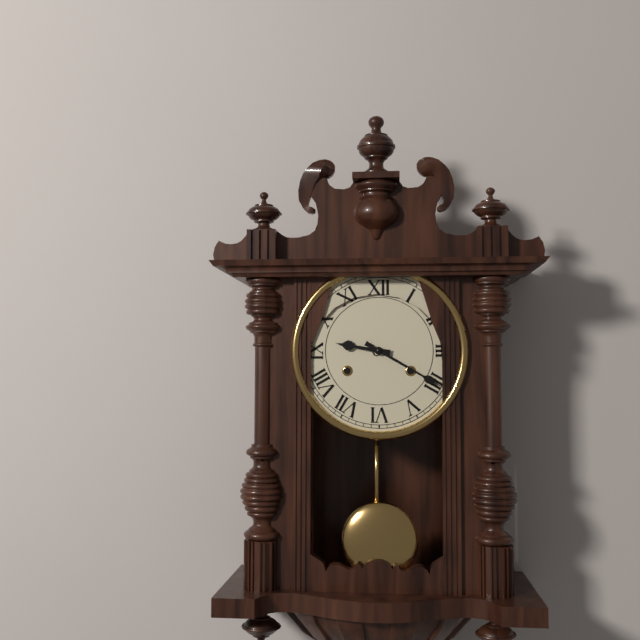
**9:20**
